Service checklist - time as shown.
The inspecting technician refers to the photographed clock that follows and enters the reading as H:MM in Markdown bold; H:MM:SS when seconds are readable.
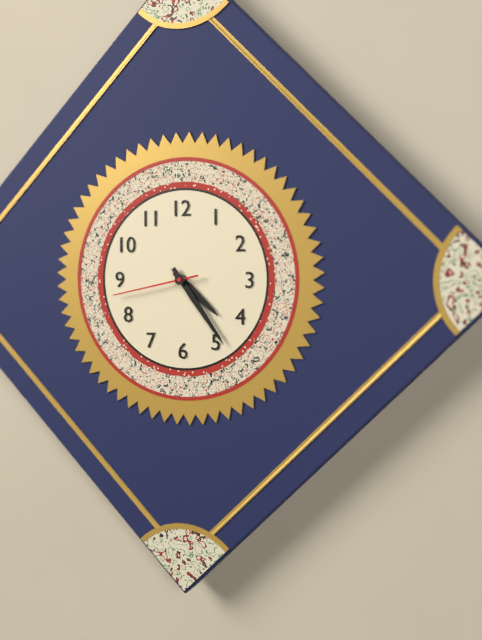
**4:24:43**
